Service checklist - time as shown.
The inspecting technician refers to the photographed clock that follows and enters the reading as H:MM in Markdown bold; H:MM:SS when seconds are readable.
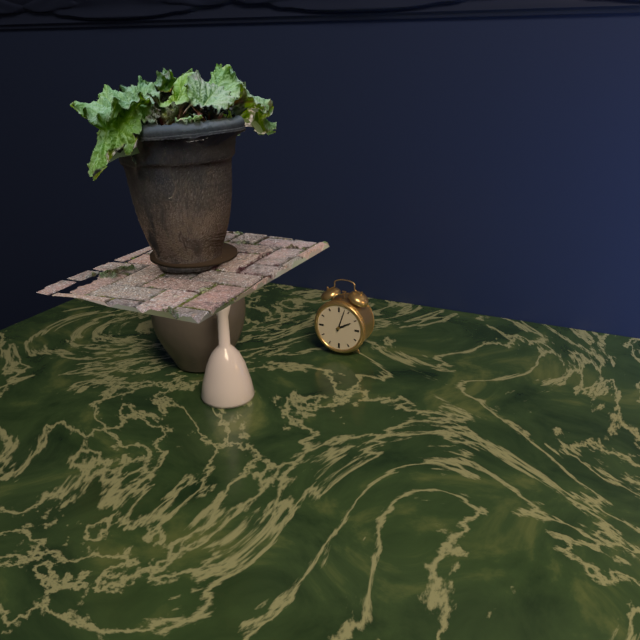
**2:03**
